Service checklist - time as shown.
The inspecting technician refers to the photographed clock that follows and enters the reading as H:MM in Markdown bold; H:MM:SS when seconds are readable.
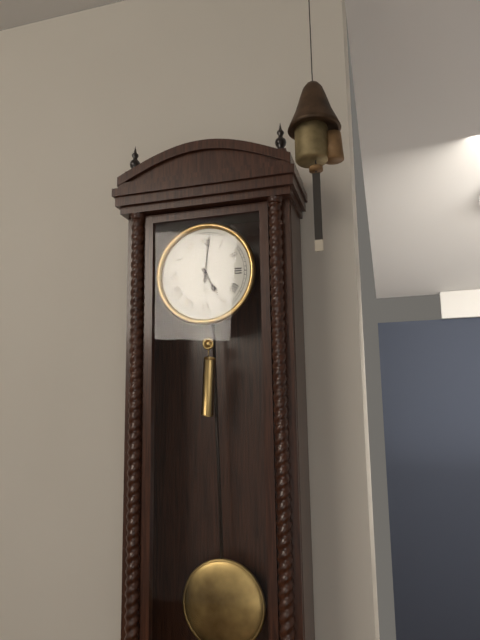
**5:01**
